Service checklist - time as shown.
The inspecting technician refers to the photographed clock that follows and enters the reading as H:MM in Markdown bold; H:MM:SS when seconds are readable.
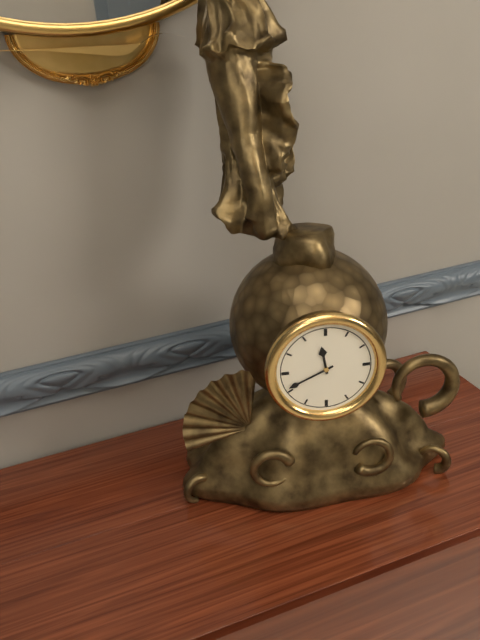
**11:41**
